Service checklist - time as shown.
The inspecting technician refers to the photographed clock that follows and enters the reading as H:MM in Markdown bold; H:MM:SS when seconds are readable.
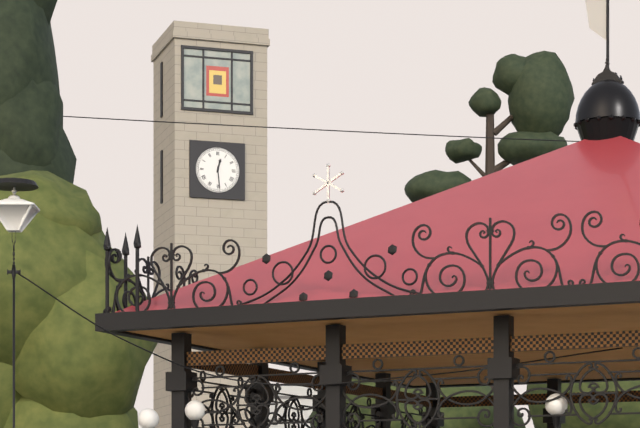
**12:29**
